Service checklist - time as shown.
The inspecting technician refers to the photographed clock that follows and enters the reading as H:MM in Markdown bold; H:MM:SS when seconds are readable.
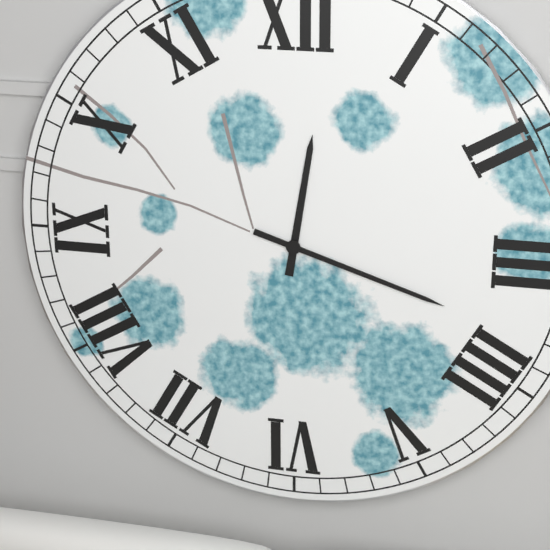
**12:18**
